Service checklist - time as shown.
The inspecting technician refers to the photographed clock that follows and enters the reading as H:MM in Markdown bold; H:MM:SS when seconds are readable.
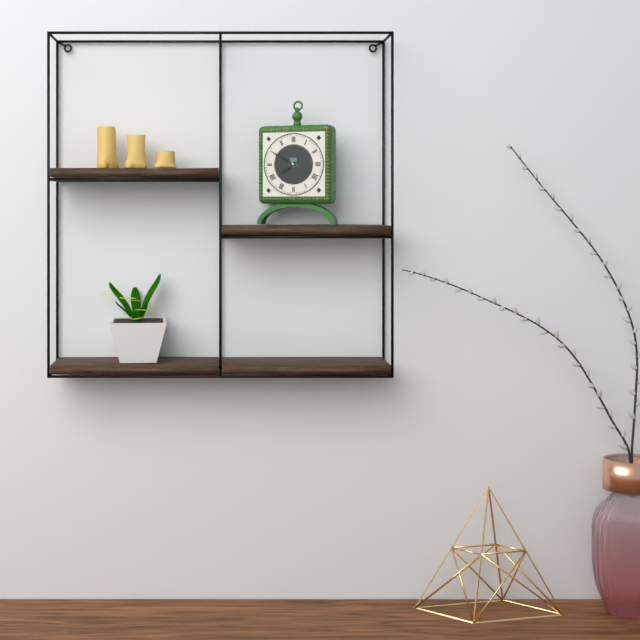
**7:50**
